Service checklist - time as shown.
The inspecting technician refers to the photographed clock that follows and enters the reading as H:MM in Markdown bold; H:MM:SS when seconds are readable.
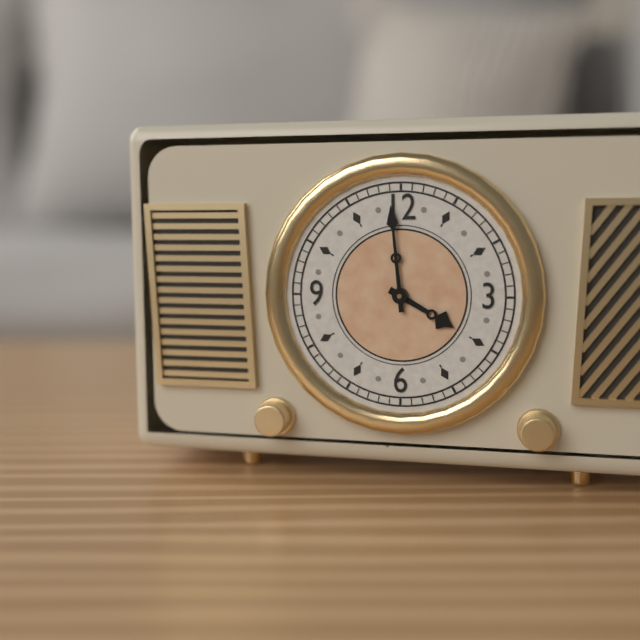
**3:59**
